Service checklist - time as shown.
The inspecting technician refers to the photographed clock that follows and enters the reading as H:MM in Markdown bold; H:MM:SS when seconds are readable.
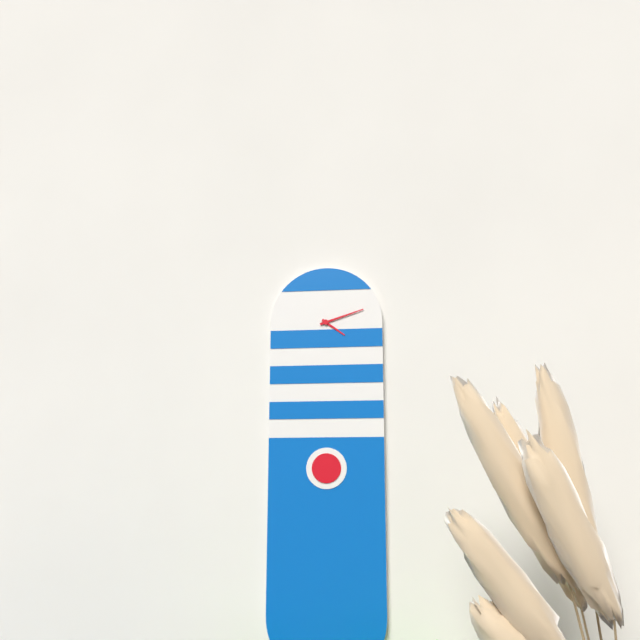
**4:12**
